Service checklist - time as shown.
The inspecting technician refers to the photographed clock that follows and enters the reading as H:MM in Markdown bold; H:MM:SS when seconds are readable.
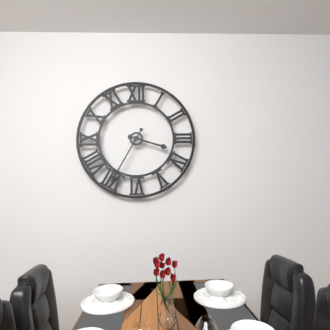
**3:35**
